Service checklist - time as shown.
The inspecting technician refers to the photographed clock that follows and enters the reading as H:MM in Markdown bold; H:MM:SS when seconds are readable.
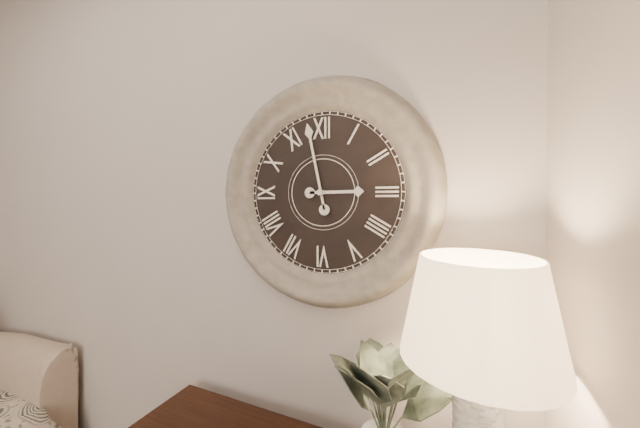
**2:58**
